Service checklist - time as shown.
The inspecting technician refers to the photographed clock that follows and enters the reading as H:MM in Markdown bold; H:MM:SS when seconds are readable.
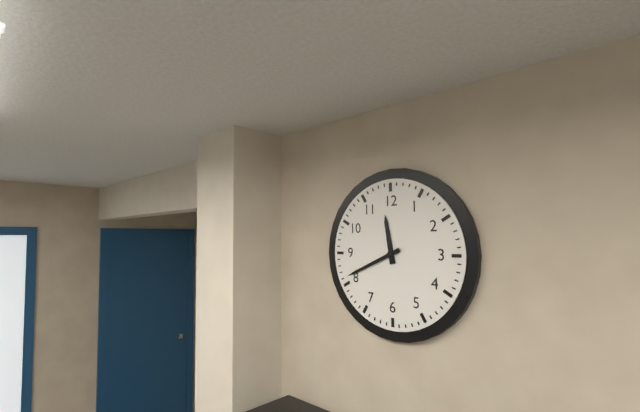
**11:41**
